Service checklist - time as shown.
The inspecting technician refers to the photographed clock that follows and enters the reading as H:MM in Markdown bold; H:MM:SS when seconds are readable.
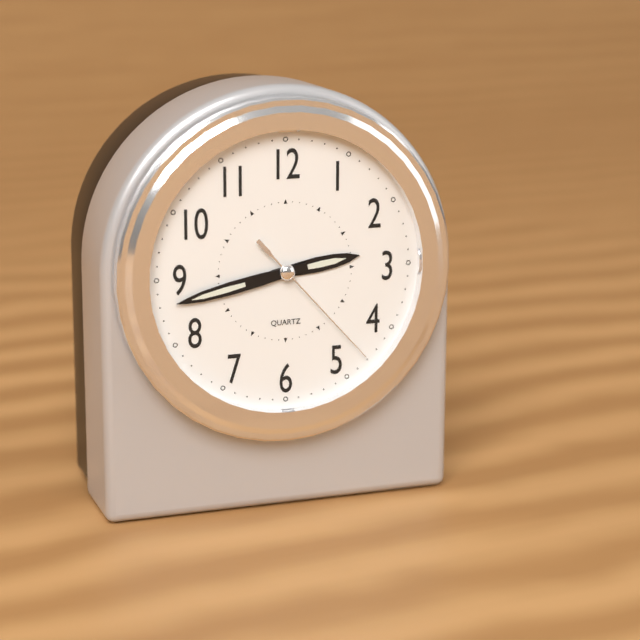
**2:43:23**
